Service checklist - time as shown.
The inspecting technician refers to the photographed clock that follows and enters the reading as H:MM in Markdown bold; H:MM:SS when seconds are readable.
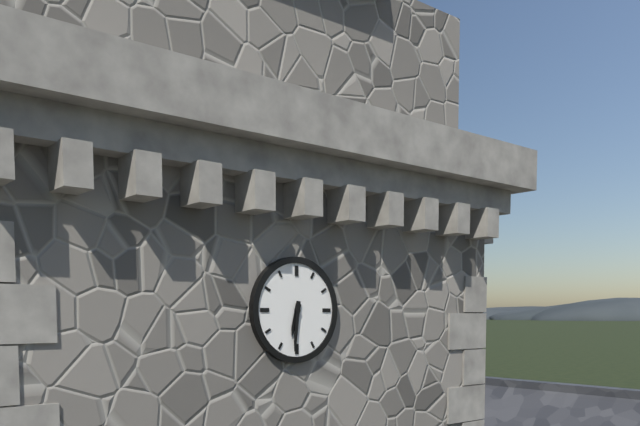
**6:31**
